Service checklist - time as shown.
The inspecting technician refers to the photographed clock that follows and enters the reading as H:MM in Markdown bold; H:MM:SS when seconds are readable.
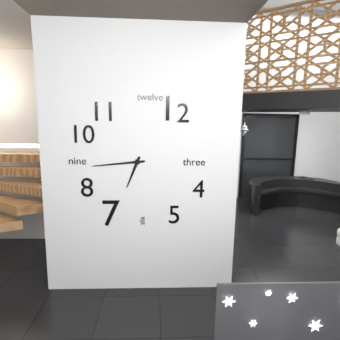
**6:44**
